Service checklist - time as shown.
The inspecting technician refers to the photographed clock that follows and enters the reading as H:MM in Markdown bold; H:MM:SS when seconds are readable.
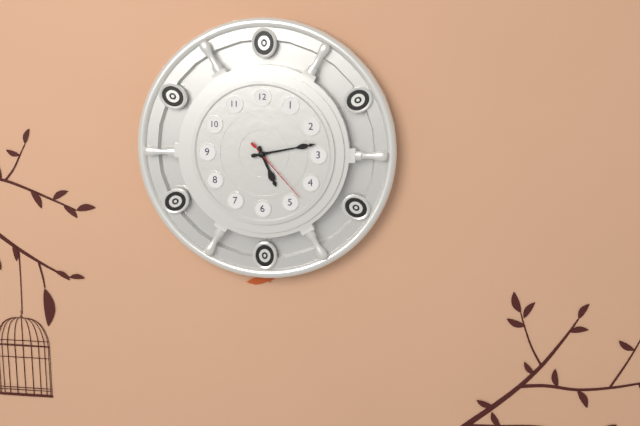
**5:13:23**
